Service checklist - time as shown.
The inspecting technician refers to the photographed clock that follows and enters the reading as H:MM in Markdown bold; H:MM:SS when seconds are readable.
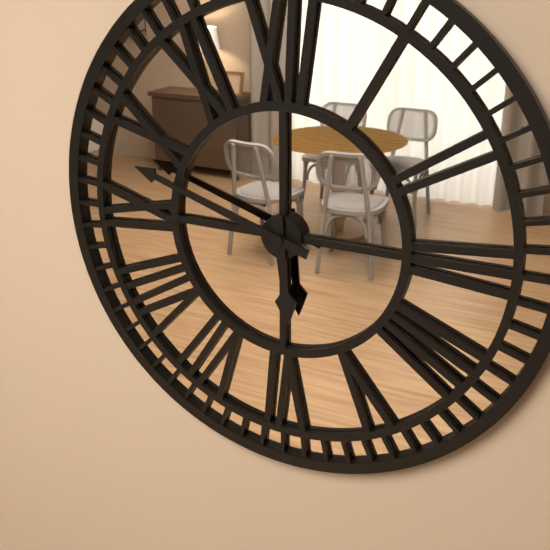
**5:48**
